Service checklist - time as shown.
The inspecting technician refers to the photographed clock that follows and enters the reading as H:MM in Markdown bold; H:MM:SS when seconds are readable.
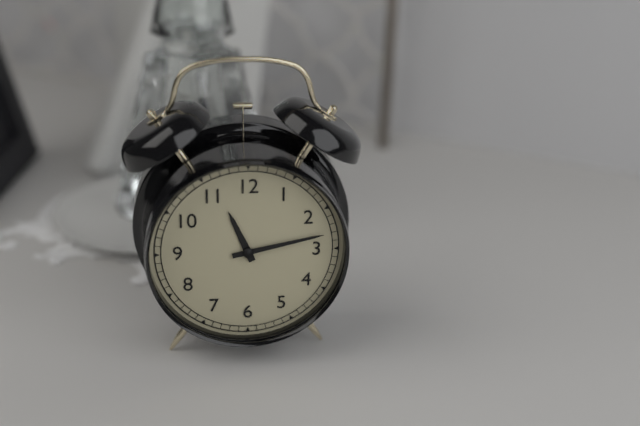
**11:13**
